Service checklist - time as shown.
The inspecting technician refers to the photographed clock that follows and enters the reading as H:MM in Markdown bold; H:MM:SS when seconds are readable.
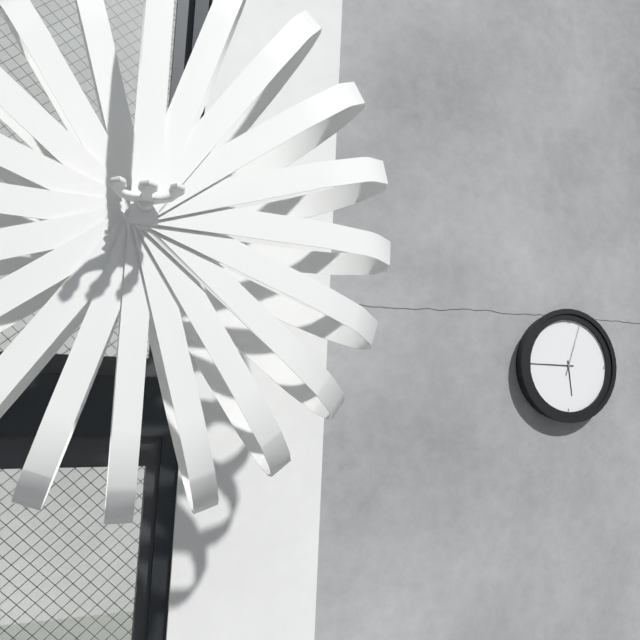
**5:45:03**
